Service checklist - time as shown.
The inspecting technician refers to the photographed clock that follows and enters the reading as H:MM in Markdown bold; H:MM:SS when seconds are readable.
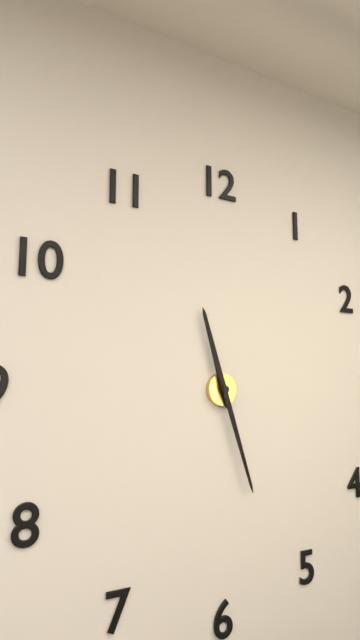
**11:27**
